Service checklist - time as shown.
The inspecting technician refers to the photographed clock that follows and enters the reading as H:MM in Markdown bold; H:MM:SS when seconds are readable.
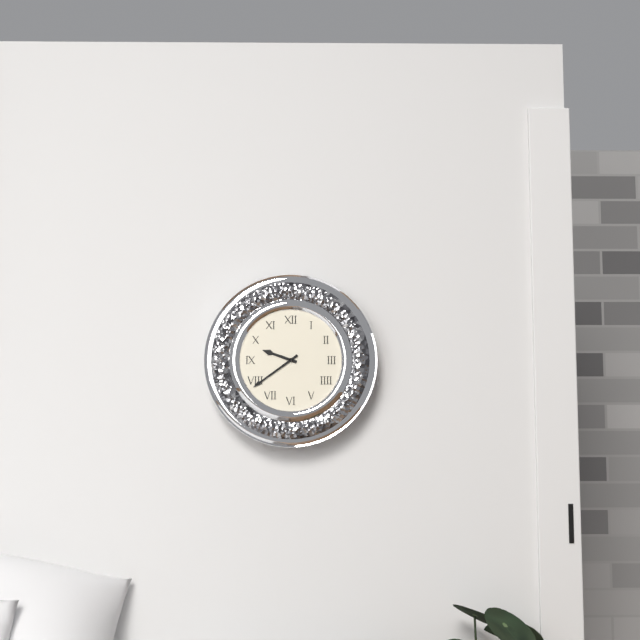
**9:39**
